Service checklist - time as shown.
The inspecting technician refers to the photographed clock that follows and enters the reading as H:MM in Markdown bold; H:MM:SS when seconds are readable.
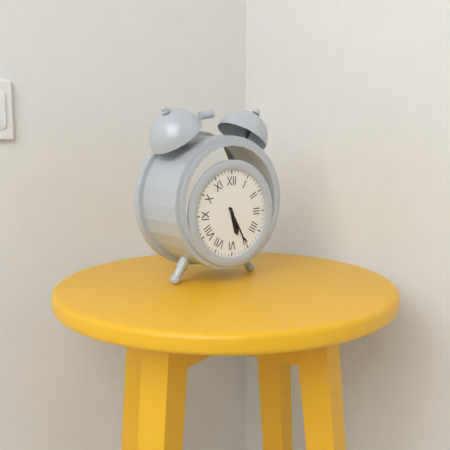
**5:25**
